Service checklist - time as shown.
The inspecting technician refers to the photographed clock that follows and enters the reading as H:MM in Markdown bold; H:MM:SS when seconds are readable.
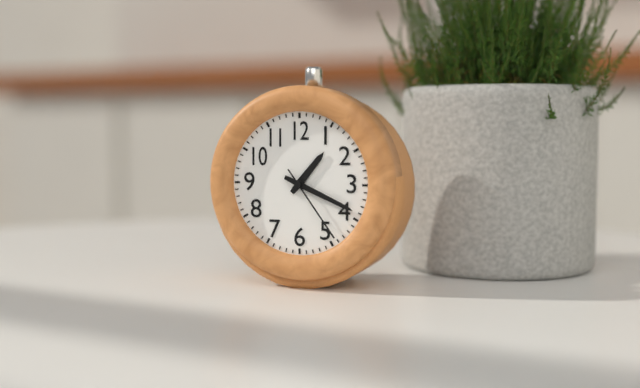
**1:19:24**
